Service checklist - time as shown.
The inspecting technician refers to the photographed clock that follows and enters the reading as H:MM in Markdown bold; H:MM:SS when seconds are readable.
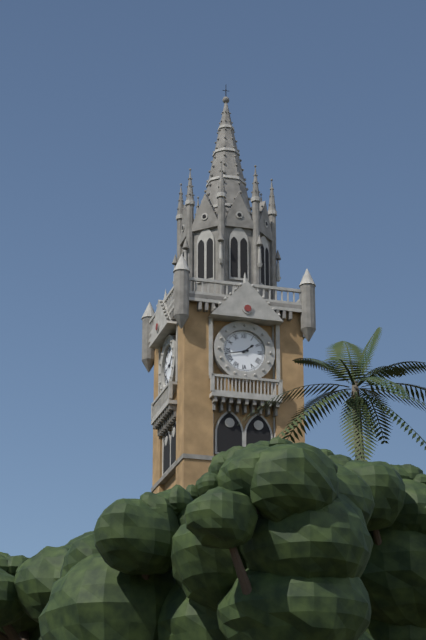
**1:43**
